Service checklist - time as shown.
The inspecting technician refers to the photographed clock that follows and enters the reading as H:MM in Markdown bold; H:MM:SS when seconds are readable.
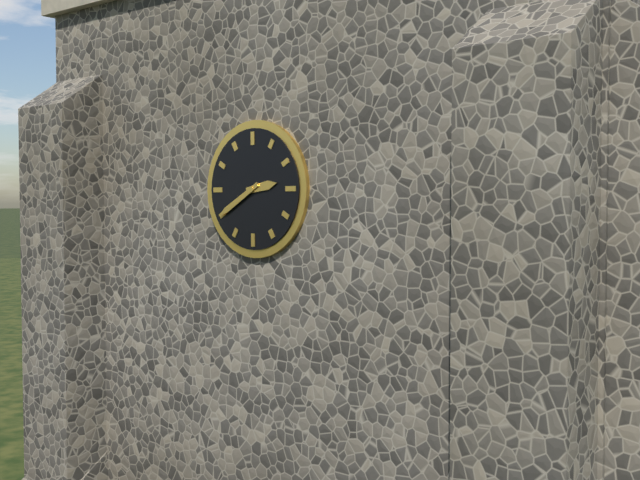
**2:40**
